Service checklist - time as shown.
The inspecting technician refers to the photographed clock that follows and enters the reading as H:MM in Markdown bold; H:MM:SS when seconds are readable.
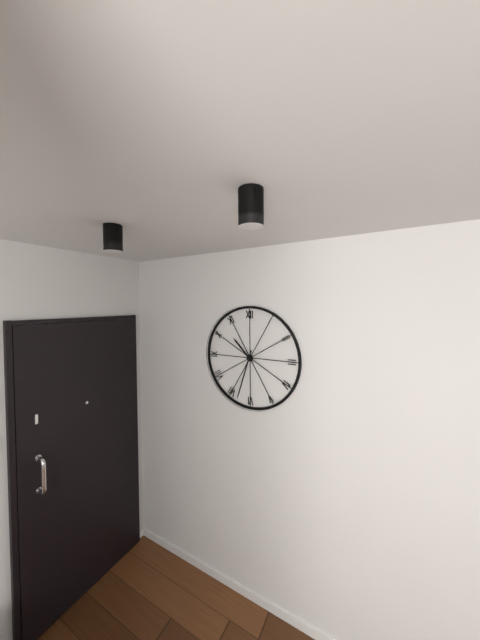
**10:33**
